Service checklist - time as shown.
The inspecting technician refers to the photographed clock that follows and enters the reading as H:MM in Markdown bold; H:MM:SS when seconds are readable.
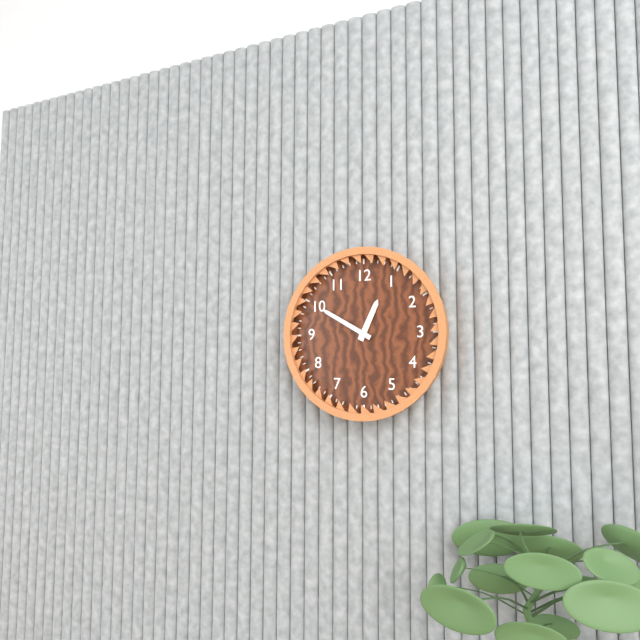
**12:50**
